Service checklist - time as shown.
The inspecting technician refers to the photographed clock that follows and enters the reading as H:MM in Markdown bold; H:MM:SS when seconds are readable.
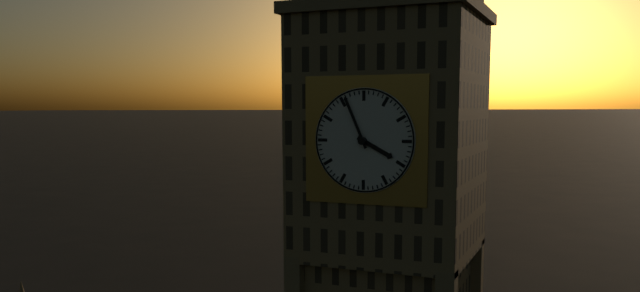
**3:56**
